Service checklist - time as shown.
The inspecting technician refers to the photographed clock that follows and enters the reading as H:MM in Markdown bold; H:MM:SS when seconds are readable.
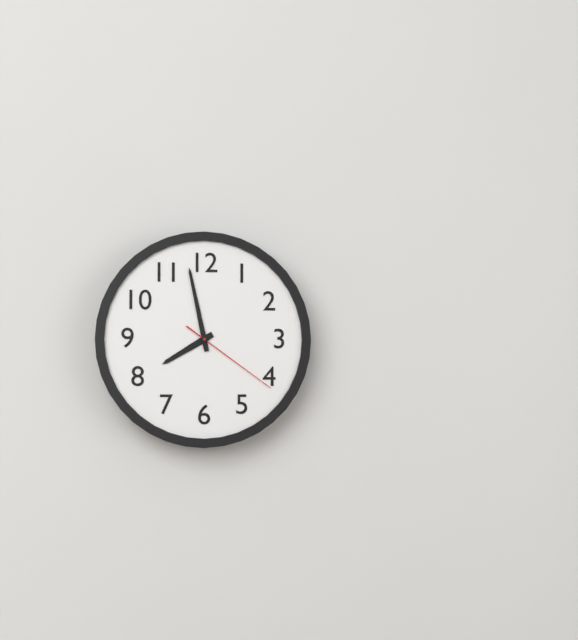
**7:58:21**
